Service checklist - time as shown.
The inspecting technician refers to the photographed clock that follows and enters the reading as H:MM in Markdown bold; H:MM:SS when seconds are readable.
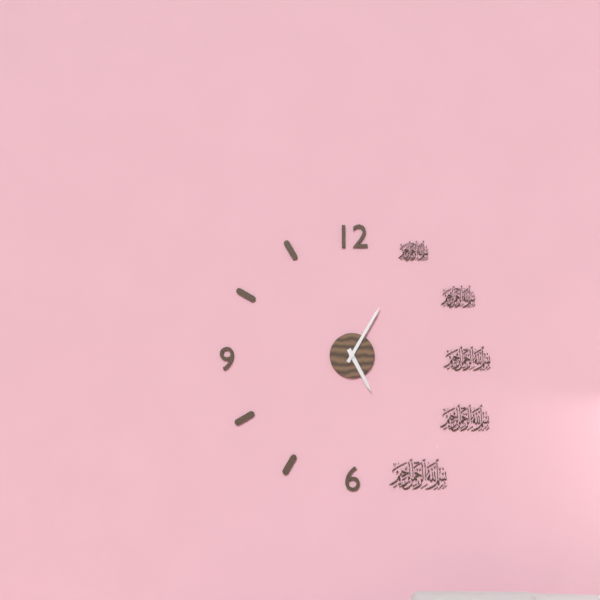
**5:05**
